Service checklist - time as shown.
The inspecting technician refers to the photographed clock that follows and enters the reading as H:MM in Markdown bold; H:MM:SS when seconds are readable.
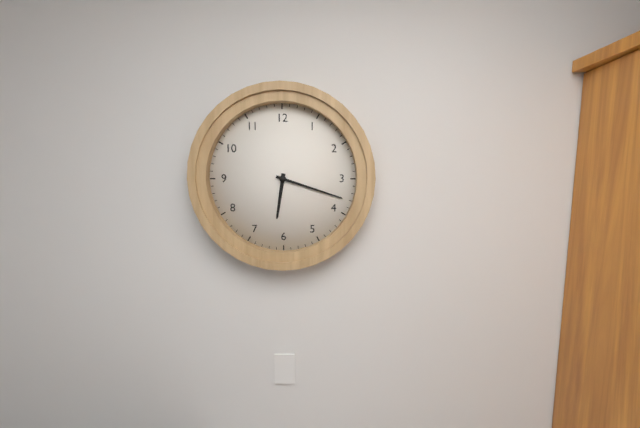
**6:18**
